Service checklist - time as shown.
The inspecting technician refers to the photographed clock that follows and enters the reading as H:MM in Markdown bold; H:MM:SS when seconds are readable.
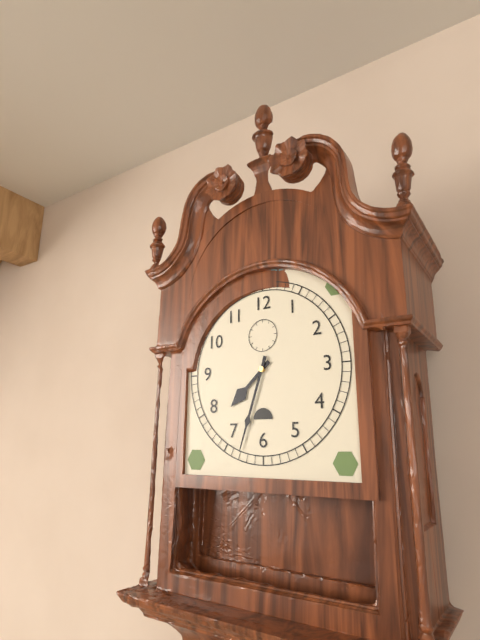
**7:33**
